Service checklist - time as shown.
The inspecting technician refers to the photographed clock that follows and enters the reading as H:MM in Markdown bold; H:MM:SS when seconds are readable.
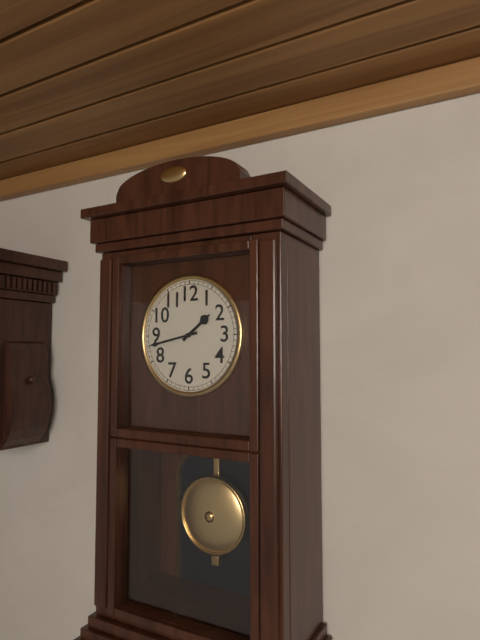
**1:43**
